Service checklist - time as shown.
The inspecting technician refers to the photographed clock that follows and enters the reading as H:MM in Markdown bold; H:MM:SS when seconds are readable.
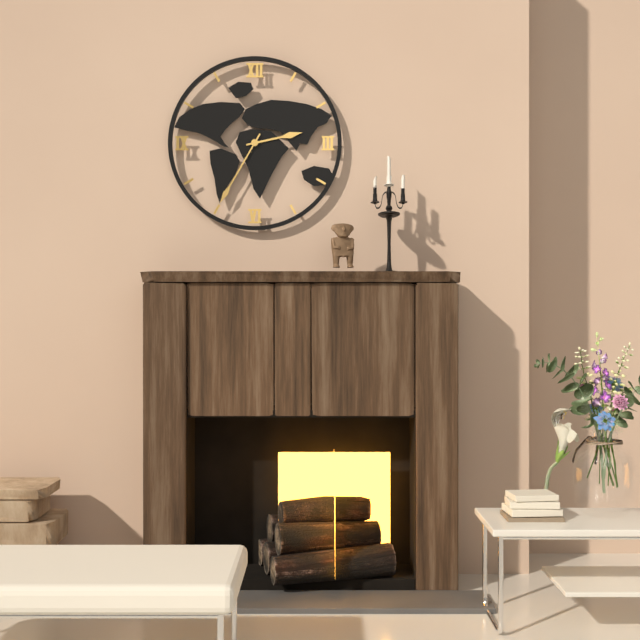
**2:35**
